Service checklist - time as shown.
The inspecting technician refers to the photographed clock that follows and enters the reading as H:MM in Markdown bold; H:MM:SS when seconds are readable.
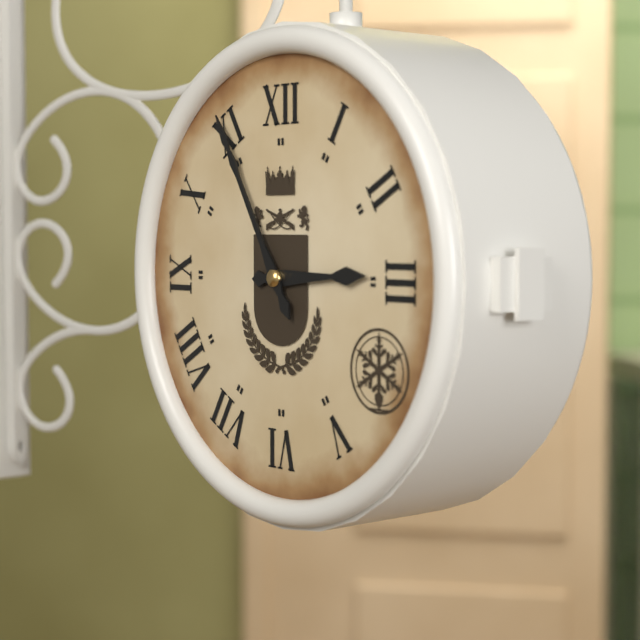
**2:55**
